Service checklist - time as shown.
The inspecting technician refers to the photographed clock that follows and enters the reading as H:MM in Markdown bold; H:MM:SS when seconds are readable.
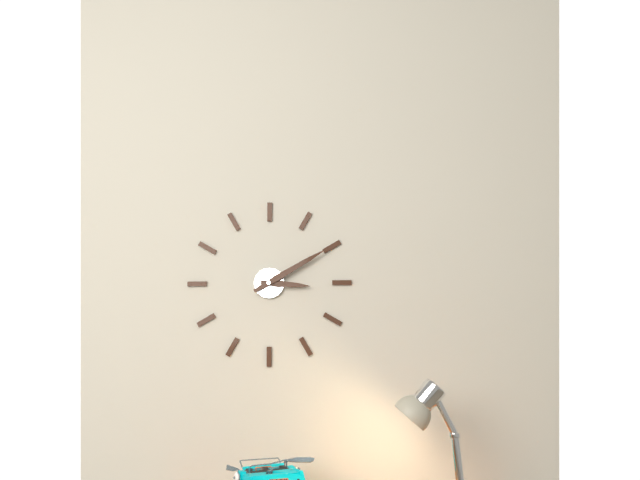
**3:10**
